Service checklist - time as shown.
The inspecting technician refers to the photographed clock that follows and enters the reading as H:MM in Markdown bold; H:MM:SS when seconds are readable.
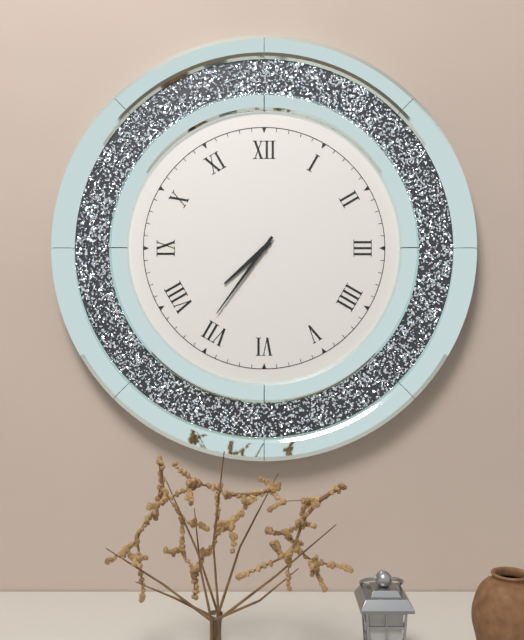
**7:36**
